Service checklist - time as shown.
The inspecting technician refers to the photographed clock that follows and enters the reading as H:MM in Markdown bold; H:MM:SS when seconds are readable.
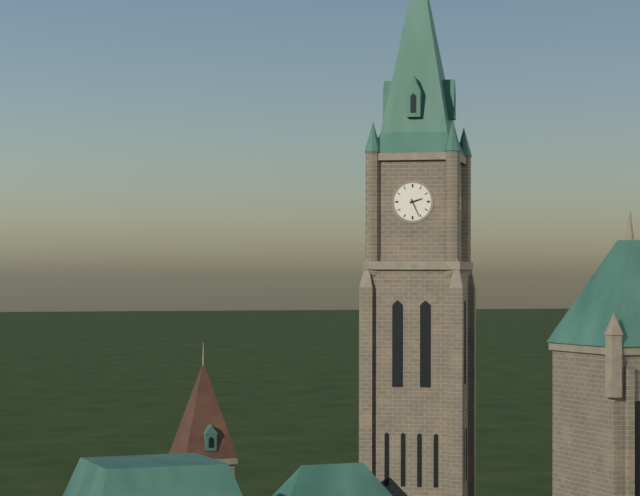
**2:26**
